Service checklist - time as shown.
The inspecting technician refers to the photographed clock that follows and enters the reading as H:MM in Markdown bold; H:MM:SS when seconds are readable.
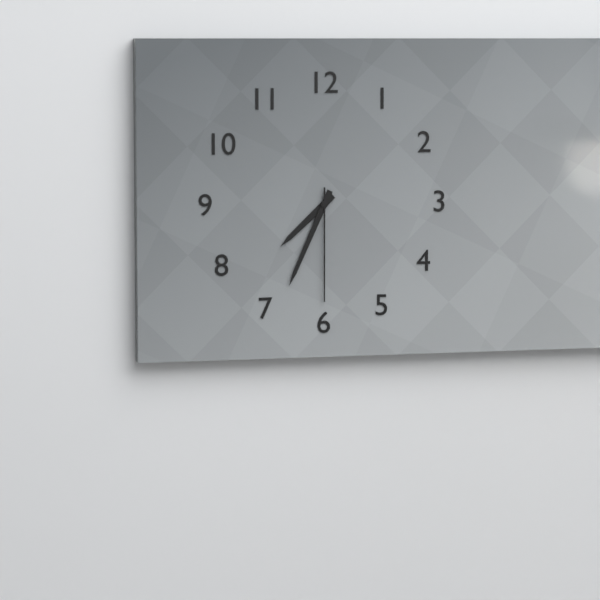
**7:34:30**
